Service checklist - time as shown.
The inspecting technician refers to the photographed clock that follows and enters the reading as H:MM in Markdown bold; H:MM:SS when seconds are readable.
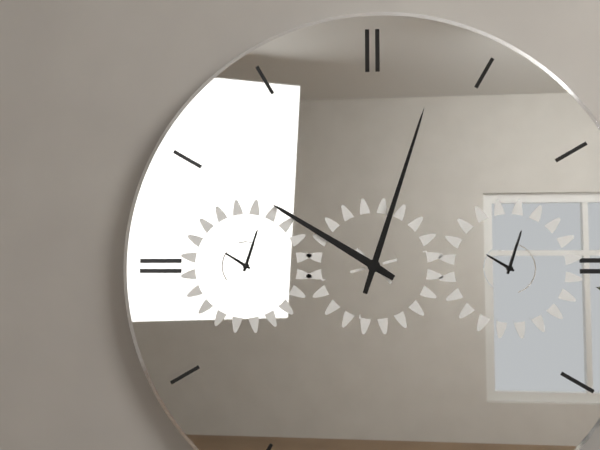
**10:03**
